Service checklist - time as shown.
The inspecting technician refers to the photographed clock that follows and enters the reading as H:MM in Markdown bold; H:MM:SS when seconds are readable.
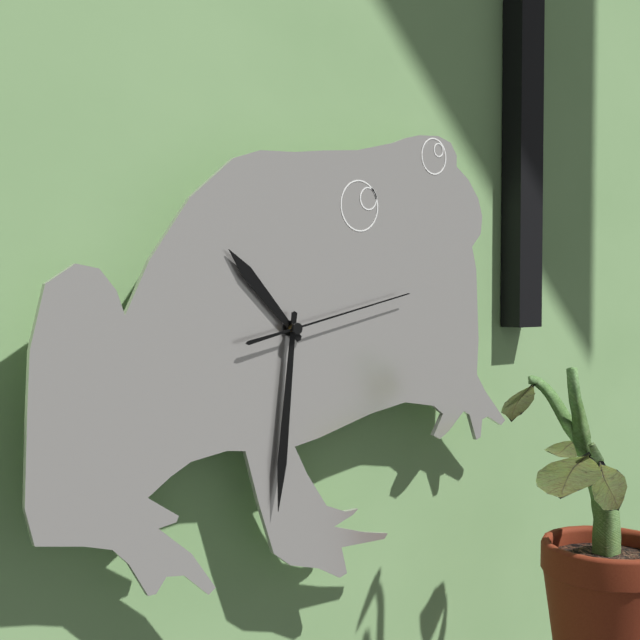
**10:31:13**
